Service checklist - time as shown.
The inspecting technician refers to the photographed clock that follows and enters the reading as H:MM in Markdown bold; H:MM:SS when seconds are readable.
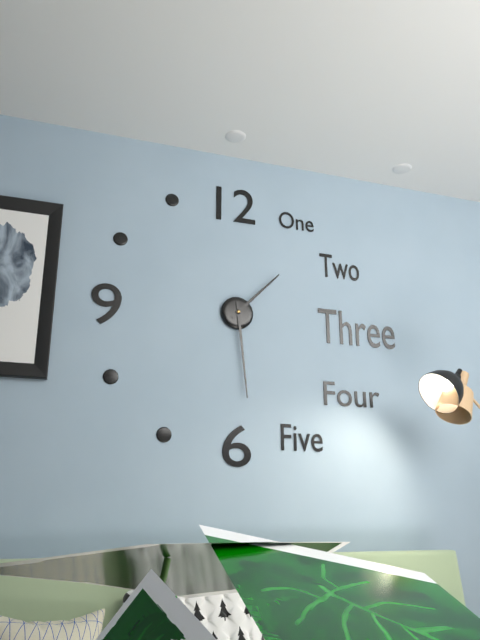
**1:29**
